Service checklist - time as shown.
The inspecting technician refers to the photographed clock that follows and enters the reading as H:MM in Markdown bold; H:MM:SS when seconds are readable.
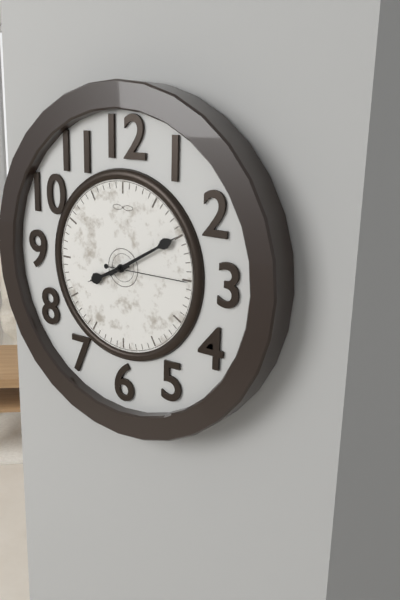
**8:10:15**
